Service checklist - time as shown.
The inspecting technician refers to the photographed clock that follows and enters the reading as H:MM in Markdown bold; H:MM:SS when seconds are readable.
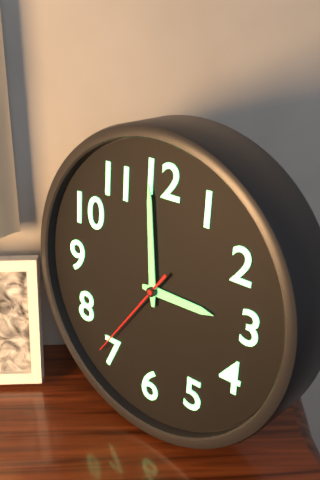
**2:59:36**
